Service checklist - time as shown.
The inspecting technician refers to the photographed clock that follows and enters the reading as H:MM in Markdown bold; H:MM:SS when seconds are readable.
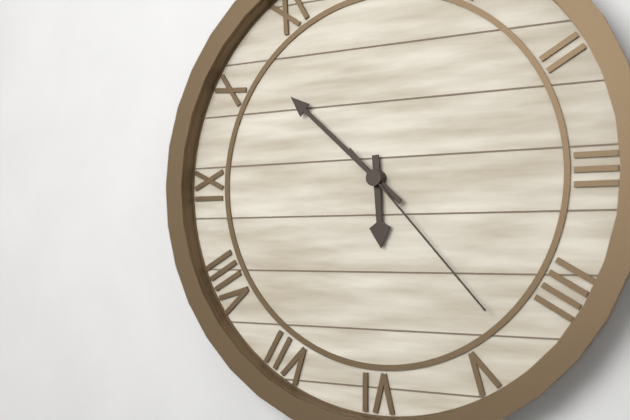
**5:52:23**
